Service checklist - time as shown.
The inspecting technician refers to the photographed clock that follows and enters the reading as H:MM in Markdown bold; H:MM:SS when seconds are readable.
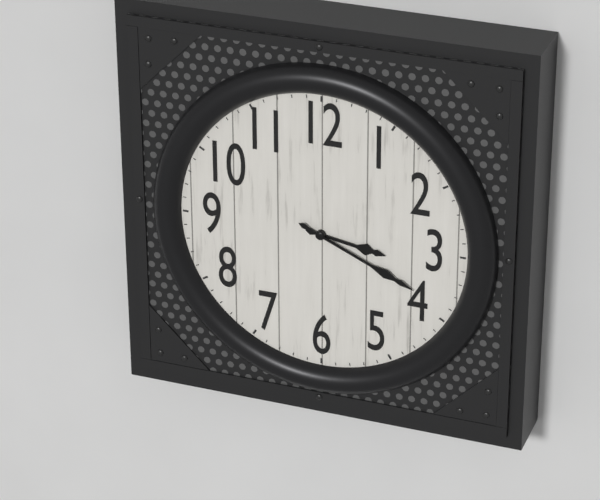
**3:19**
